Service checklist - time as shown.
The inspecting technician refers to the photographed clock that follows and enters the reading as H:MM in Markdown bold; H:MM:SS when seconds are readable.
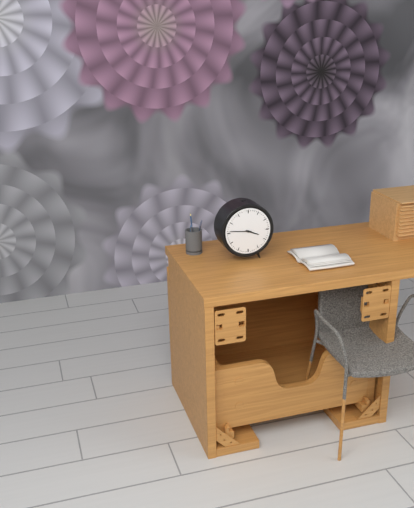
**3:46**
